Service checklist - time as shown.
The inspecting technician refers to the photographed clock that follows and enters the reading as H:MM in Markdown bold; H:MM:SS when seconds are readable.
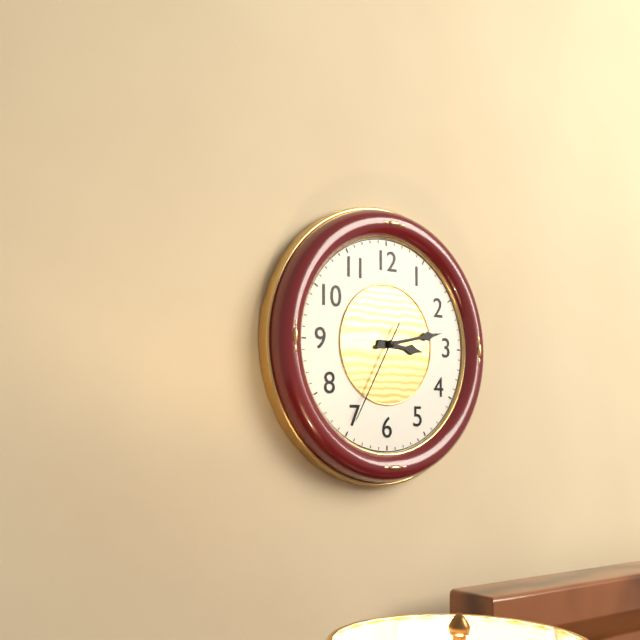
**3:13:35**
